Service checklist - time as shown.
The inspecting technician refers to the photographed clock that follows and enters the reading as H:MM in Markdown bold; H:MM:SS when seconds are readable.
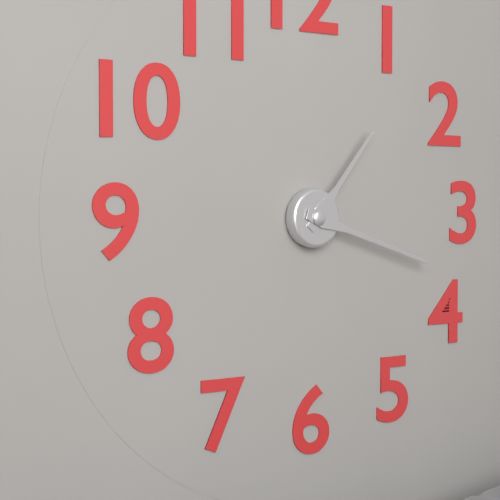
**1:18**
